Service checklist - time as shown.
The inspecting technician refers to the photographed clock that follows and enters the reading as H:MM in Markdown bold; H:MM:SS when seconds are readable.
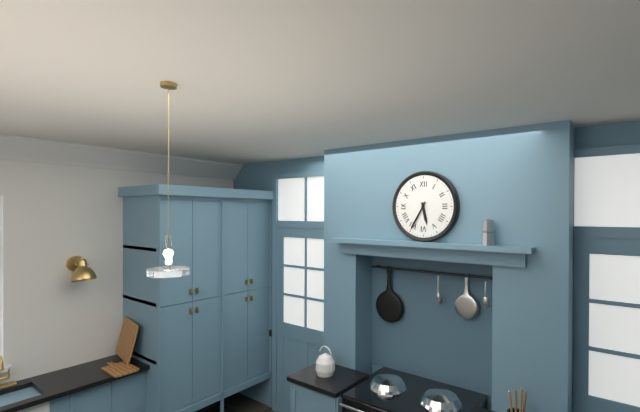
**5:35**
